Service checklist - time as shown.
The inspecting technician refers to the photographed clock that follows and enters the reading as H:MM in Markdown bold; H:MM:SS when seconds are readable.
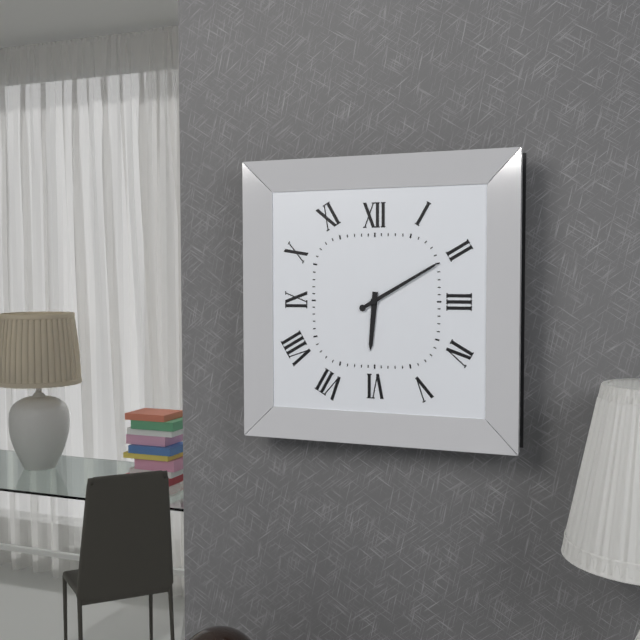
**6:10**
